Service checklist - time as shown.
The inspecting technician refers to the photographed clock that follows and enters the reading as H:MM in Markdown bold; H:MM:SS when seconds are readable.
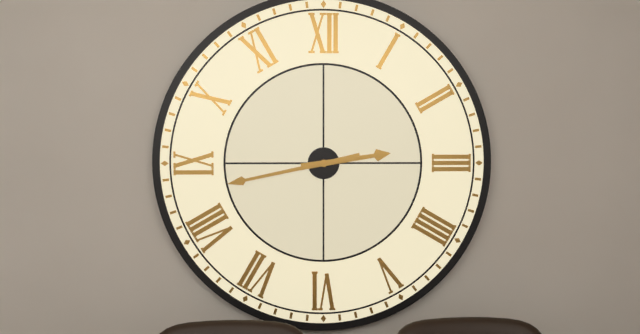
**2:43**
